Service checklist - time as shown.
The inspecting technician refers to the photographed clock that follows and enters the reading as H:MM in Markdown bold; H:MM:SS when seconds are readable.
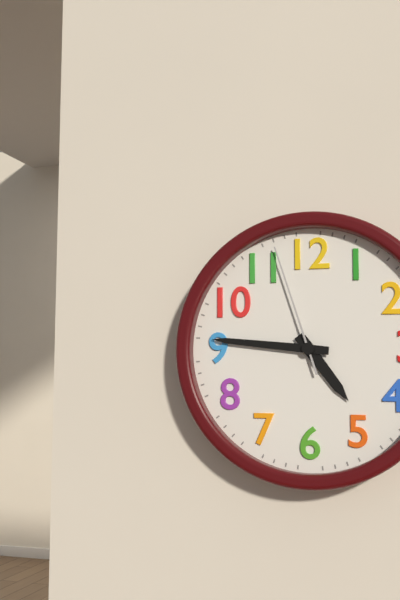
**4:46:57**
